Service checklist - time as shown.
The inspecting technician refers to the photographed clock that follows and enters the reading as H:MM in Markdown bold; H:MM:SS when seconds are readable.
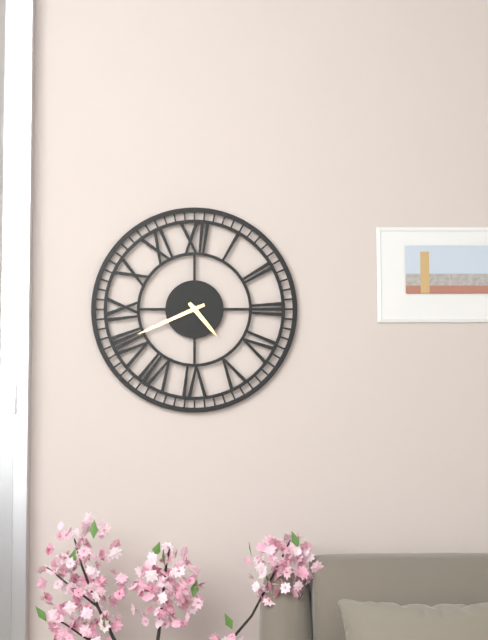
**4:41**
